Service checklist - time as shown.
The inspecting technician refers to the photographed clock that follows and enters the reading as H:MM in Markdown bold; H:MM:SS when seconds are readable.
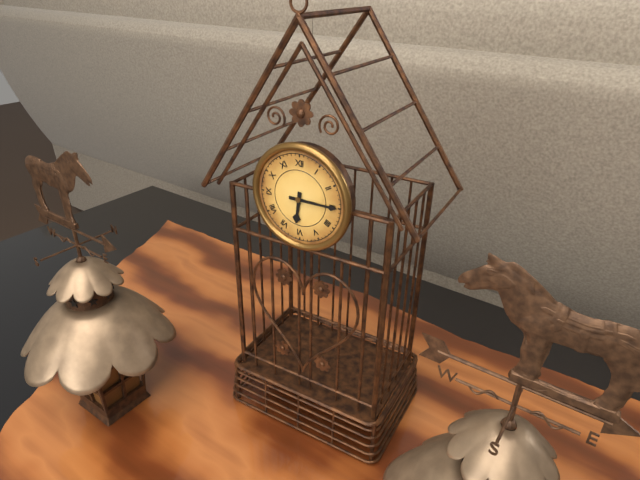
**6:15**
